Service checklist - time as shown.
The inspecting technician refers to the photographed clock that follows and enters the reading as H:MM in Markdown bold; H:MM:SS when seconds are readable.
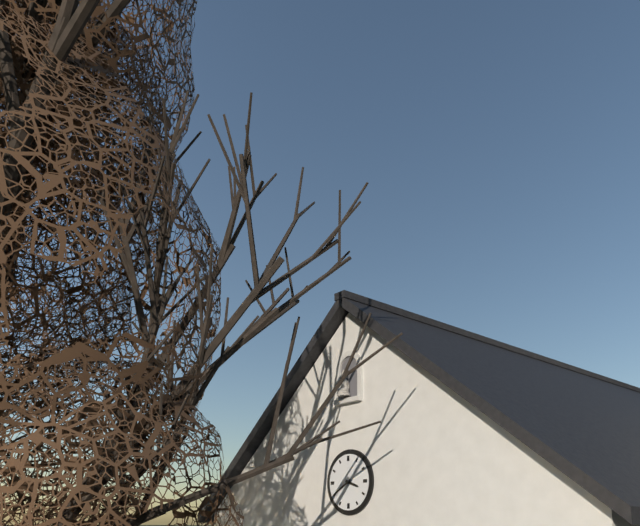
**3:40**
